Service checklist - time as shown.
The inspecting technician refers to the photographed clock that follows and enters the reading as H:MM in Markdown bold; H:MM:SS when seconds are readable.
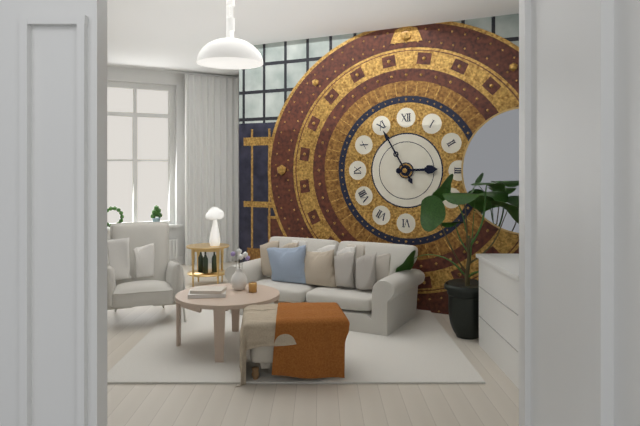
**2:55**
